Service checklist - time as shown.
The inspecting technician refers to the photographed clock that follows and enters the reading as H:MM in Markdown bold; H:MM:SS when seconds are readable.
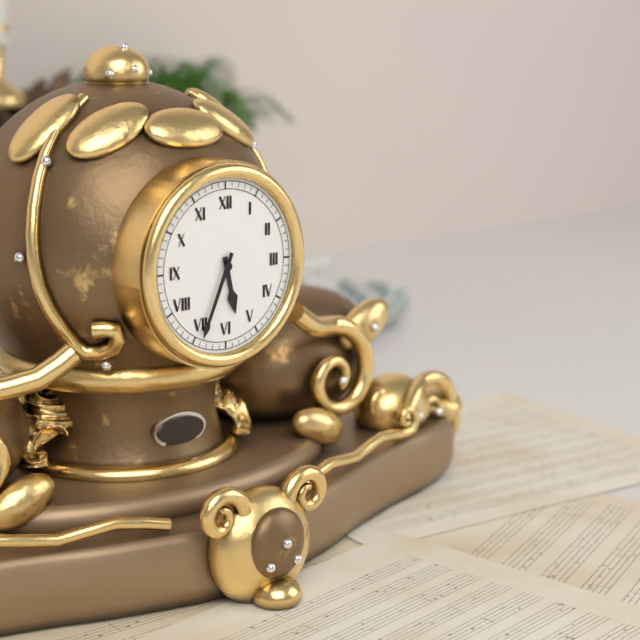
**5:34**
